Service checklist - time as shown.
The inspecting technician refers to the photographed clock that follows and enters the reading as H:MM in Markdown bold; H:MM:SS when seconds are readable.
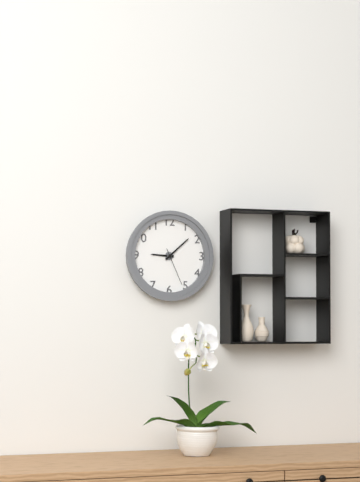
**9:08**
